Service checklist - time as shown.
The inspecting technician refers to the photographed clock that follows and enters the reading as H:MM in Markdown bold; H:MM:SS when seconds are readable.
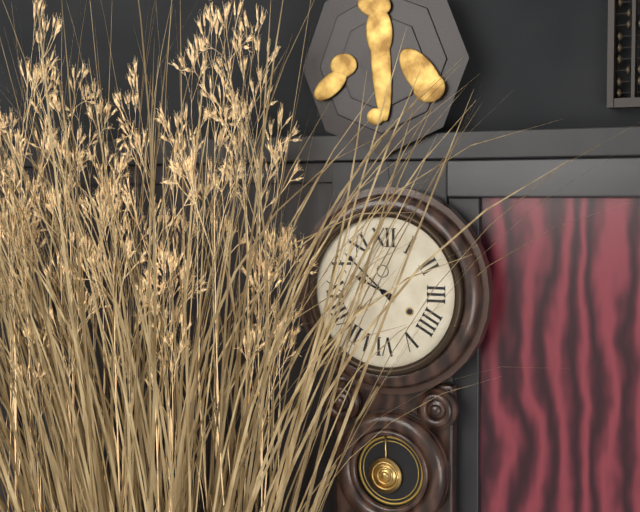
**9:52**
